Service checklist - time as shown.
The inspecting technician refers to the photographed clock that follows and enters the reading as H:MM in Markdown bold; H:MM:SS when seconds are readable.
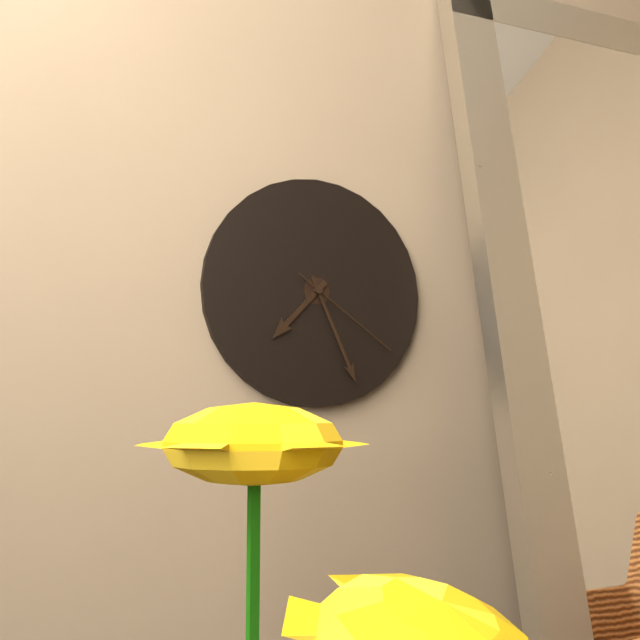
**7:26:21**
